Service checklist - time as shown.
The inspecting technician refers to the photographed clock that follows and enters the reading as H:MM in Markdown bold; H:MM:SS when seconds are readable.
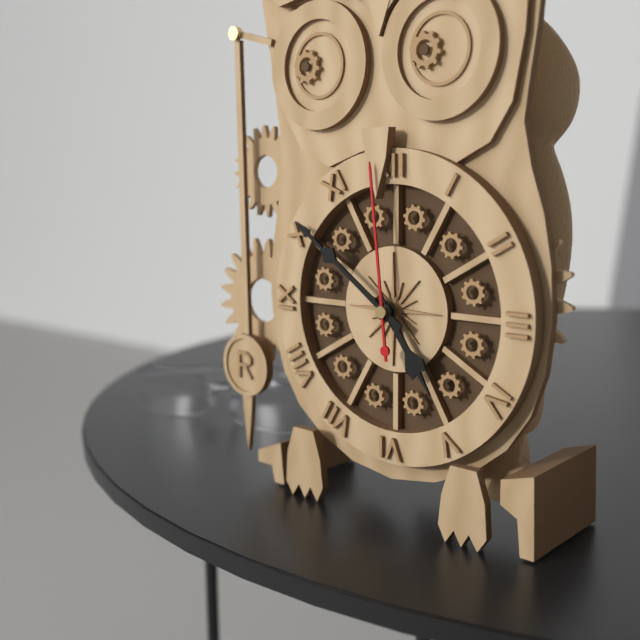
**4:51:59**
